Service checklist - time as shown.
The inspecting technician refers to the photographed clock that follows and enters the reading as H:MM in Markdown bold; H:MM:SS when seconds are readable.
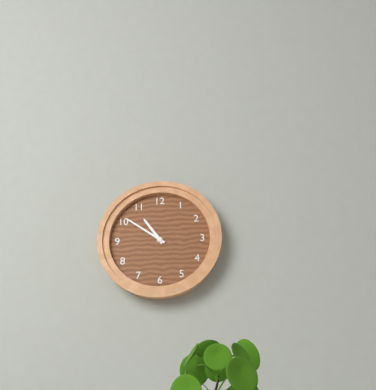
**10:51**
